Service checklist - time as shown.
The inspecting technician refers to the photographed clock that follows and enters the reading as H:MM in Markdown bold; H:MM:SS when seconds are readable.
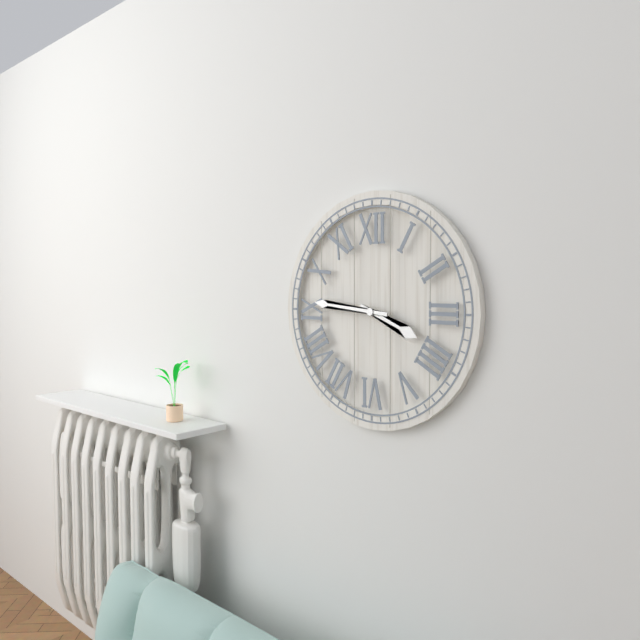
**3:46**
